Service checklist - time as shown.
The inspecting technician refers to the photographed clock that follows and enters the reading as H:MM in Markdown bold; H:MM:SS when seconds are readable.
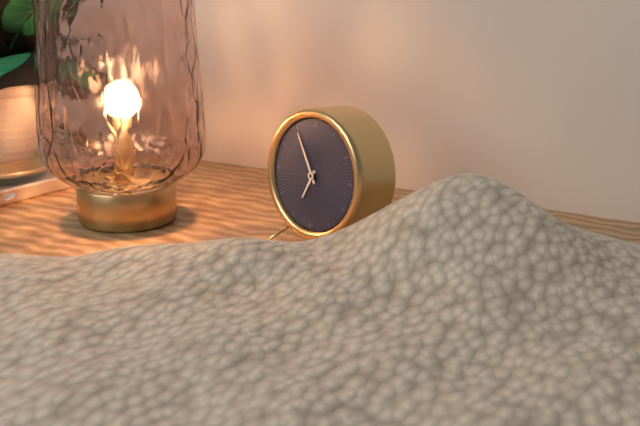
**6:55**
